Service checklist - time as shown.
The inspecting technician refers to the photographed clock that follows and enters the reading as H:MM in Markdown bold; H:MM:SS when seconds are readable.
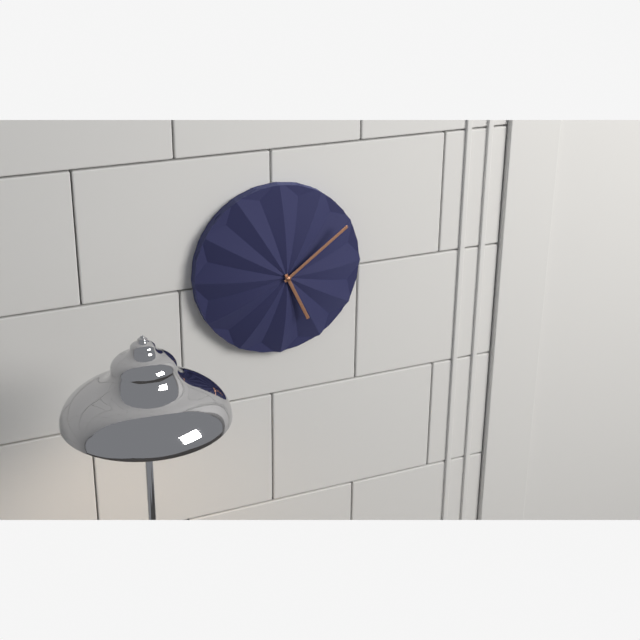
**5:09**
